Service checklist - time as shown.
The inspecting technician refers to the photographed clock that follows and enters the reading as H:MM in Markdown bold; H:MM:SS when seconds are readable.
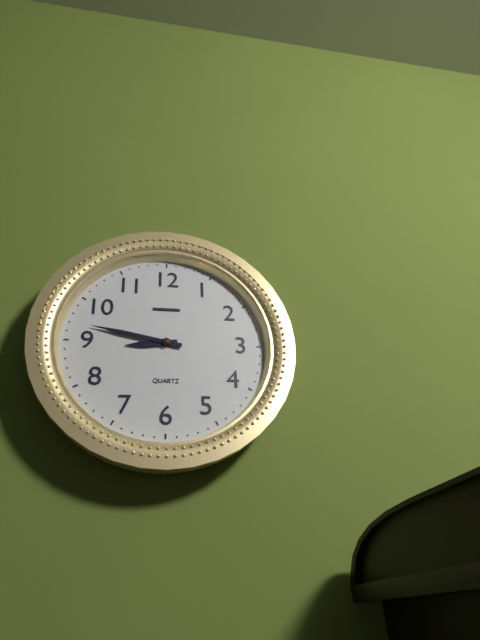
**8:47**
